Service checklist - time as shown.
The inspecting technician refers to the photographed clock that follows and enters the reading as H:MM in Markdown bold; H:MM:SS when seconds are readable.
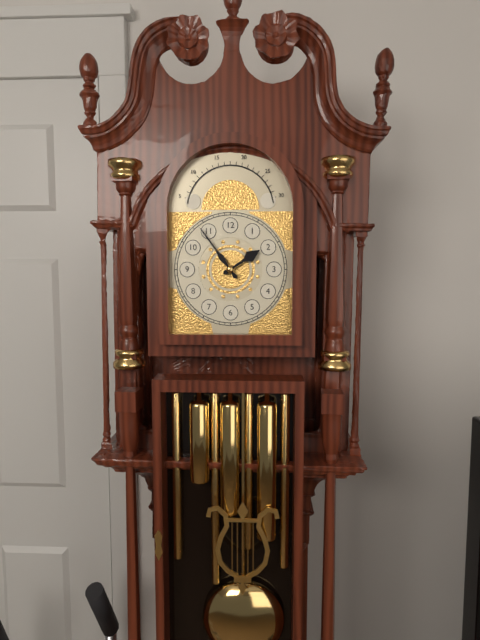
**1:54**
